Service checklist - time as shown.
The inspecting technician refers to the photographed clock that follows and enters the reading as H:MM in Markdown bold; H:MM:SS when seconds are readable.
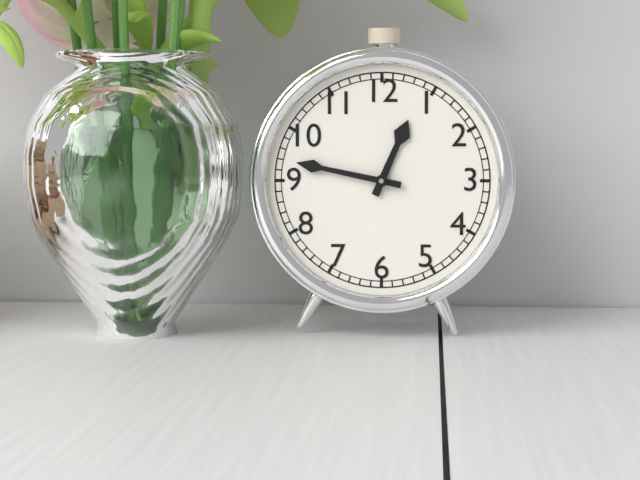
**12:47**
